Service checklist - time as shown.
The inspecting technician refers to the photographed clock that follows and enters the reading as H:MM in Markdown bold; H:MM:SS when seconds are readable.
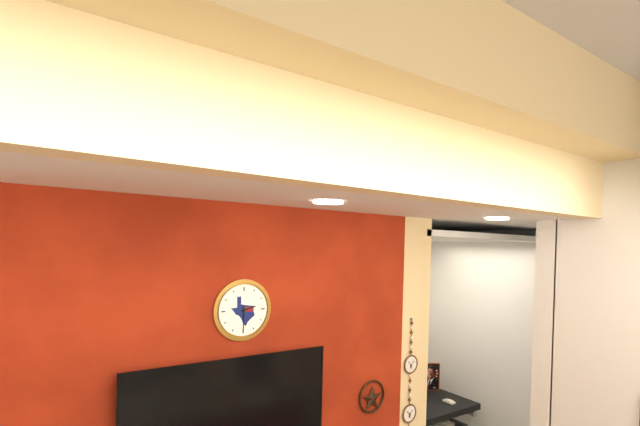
**2:30**
